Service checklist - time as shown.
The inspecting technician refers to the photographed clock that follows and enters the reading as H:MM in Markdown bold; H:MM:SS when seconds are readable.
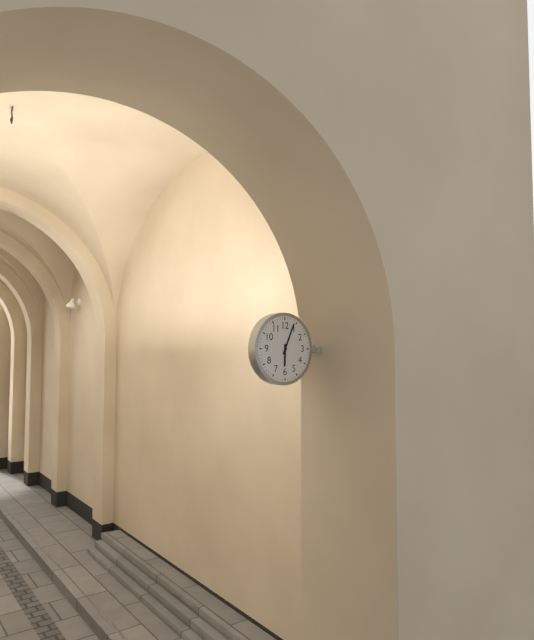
**6:04**
